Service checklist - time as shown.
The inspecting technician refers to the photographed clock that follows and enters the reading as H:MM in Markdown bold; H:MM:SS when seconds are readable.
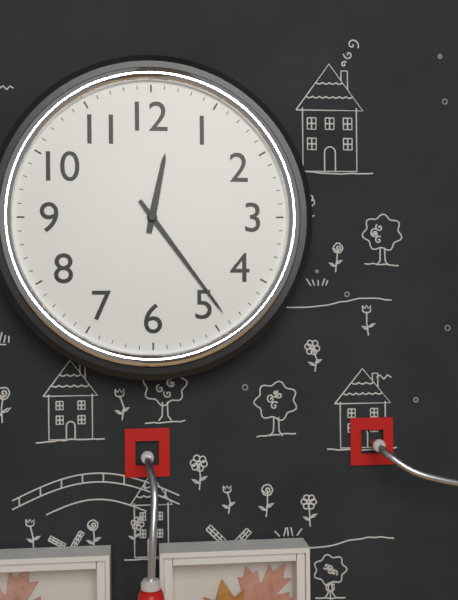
**12:24**
